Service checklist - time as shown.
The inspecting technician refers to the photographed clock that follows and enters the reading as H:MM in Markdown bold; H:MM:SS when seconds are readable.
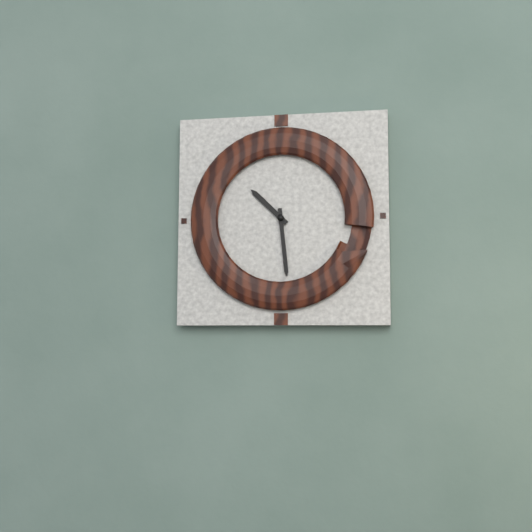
**10:29**
